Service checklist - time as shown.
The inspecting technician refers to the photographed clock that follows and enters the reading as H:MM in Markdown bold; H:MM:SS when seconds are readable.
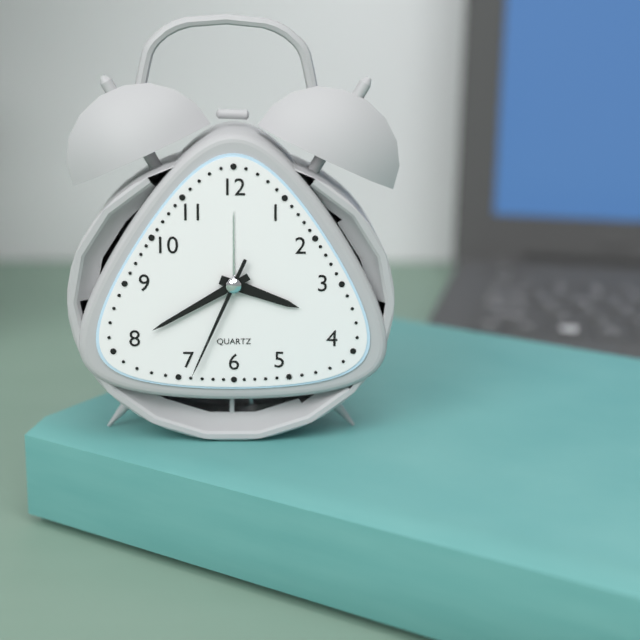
**3:40:34**
